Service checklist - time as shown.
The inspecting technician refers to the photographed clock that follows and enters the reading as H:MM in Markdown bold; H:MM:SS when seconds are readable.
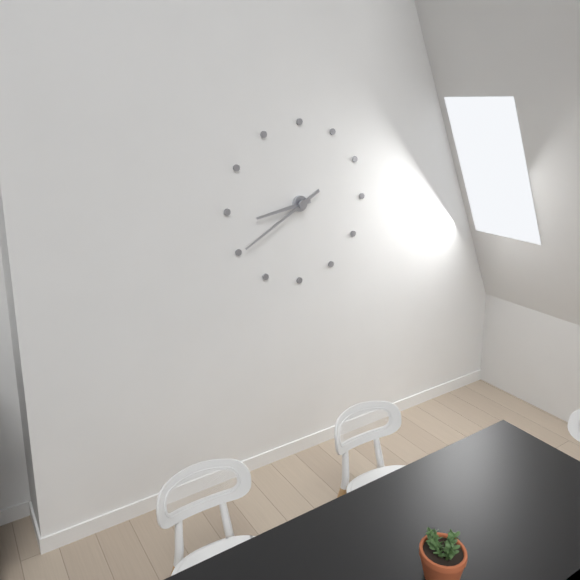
**8:40**
